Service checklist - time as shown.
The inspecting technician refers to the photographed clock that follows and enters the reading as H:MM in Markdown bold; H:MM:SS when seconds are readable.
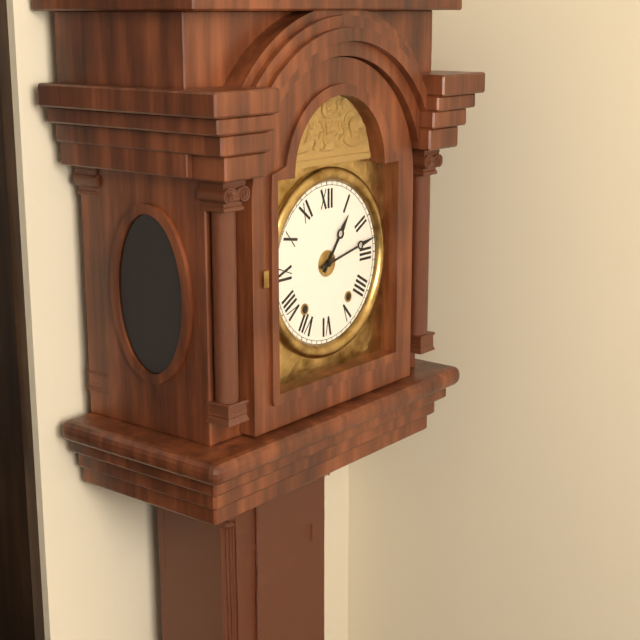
**1:13**
